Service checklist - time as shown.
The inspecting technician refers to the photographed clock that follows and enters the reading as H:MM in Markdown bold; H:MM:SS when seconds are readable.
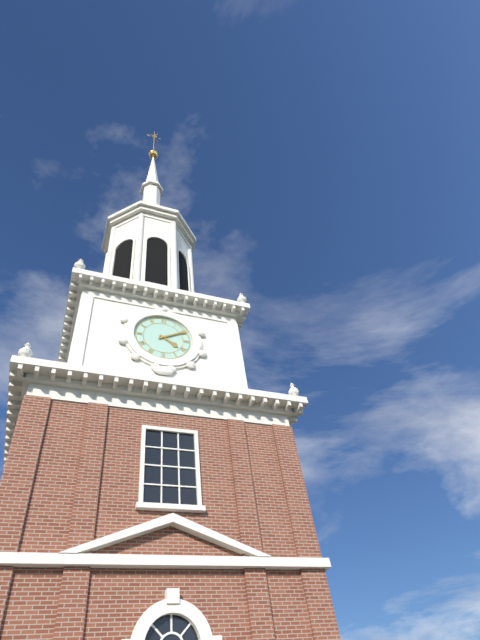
**4:10**
